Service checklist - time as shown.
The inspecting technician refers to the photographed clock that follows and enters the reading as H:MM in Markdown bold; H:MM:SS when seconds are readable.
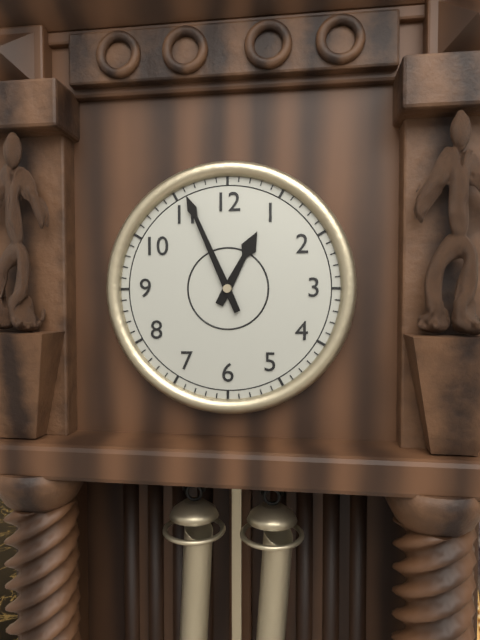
**12:56**
